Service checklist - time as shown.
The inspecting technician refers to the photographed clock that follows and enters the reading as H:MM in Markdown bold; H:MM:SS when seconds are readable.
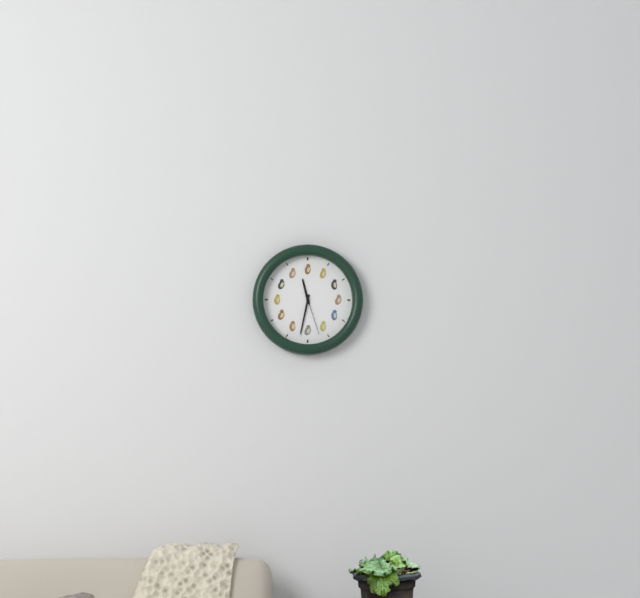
**11:32**
